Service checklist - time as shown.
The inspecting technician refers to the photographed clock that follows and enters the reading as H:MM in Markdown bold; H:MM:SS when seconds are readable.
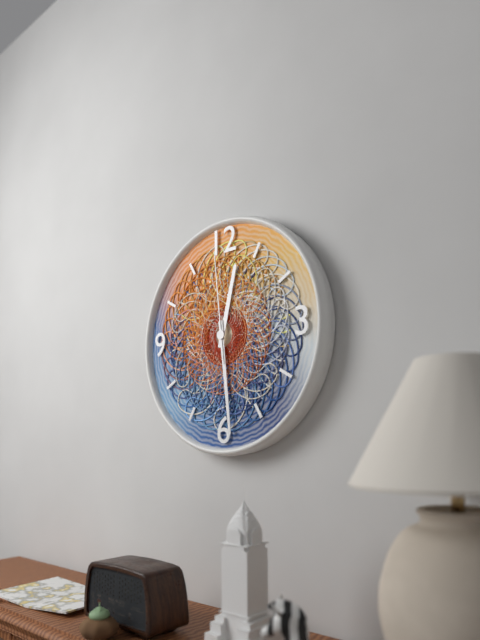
**12:29:59**
